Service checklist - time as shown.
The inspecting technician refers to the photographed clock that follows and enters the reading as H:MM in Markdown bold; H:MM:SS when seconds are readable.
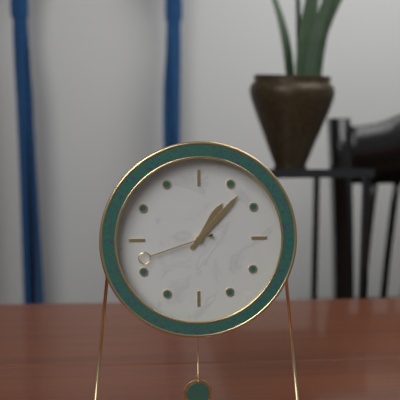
**1:07:42**
